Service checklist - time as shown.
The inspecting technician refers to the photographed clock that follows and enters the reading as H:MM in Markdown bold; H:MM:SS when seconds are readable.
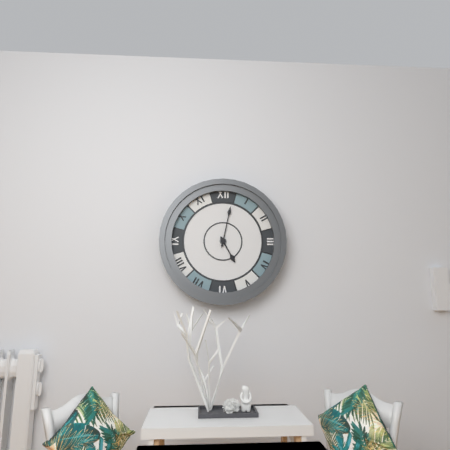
**5:02**
